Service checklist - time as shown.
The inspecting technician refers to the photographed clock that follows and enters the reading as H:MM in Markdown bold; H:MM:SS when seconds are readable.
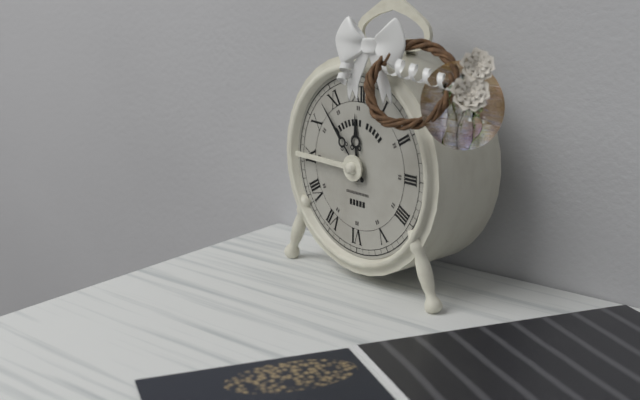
**11:53**
